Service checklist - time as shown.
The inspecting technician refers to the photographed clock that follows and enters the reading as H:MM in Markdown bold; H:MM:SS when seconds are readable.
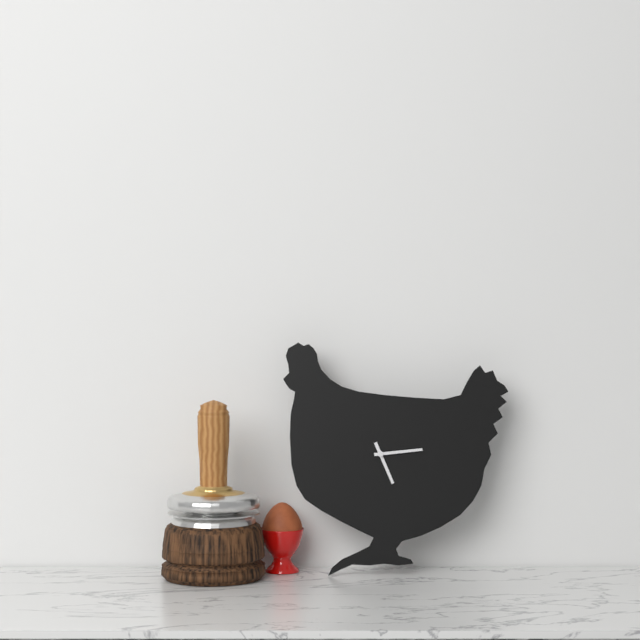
**5:14**
